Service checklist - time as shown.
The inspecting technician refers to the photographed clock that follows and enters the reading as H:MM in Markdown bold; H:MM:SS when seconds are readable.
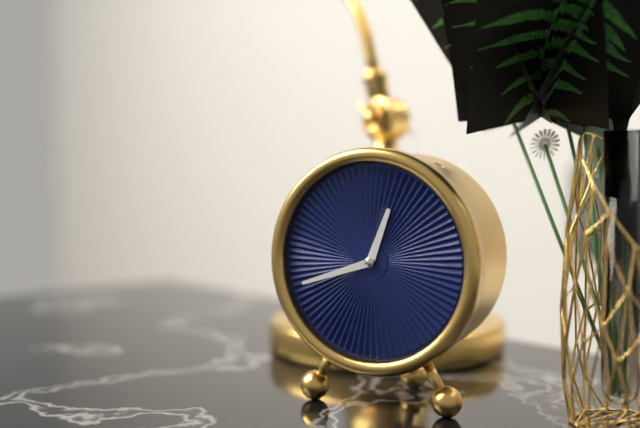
**12:42**
